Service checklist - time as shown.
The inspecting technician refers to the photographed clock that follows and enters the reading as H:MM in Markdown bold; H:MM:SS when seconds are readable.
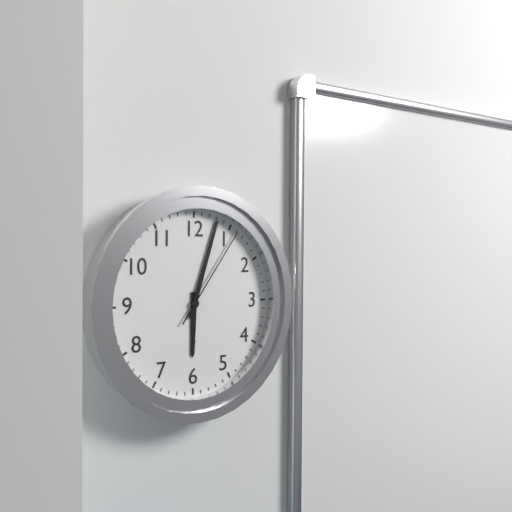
**6:03:06**
